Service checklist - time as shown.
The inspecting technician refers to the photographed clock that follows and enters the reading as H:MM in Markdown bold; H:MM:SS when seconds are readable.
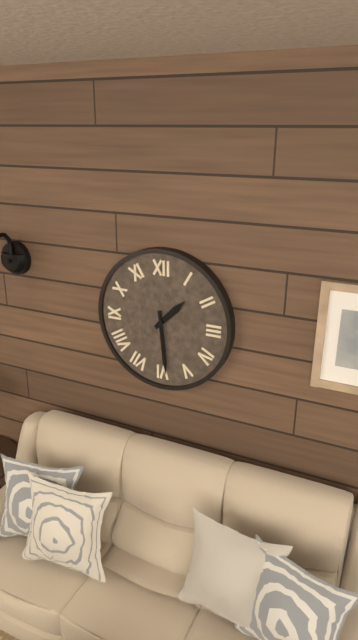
**1:29**
